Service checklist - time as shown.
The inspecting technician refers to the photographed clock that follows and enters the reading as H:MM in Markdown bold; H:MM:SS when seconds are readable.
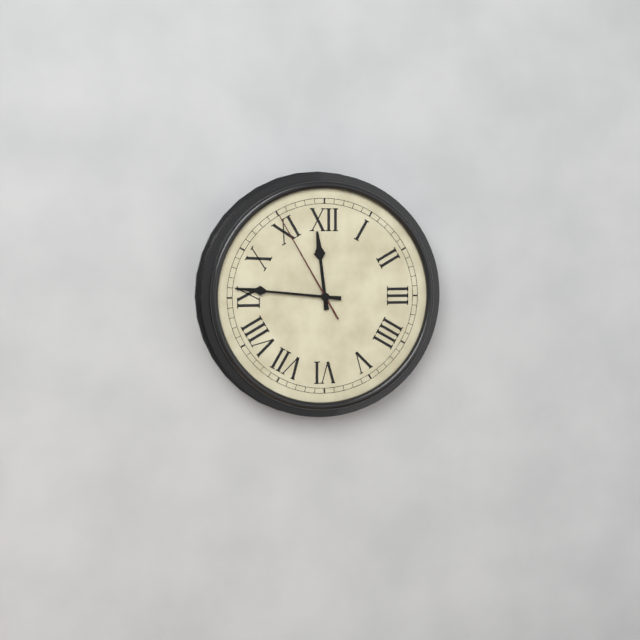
**11:46:55**
